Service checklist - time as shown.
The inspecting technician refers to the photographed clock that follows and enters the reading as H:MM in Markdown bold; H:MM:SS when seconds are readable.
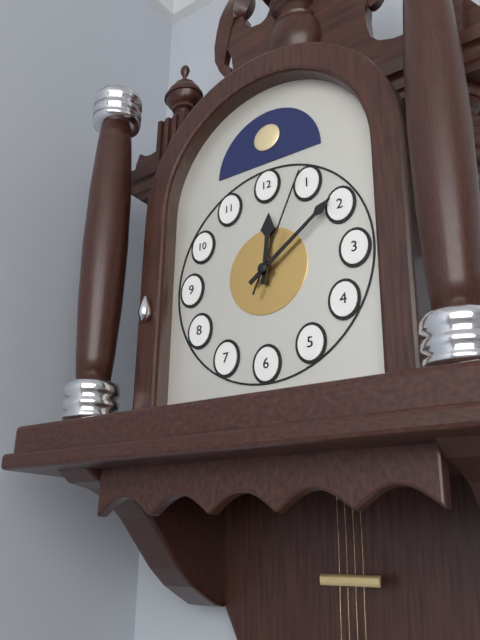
**12:09:04**
